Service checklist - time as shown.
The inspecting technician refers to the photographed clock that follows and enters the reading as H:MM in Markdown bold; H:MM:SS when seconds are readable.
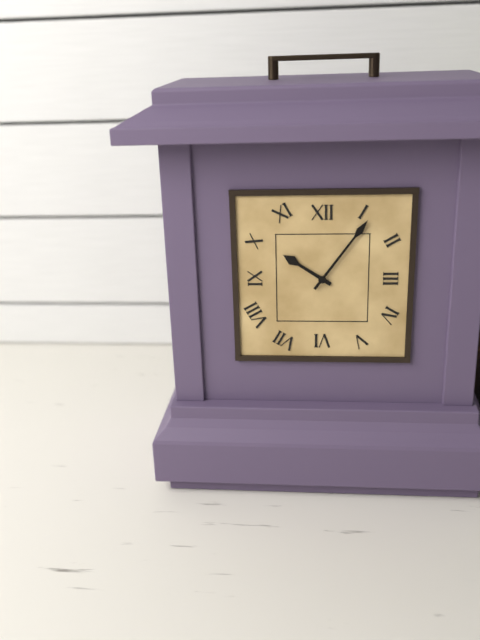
**10:06**
